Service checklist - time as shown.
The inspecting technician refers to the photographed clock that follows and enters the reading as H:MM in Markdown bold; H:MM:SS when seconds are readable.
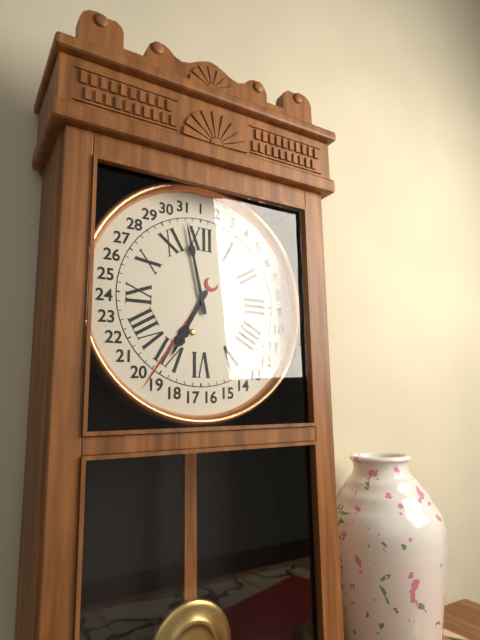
**6:58**
